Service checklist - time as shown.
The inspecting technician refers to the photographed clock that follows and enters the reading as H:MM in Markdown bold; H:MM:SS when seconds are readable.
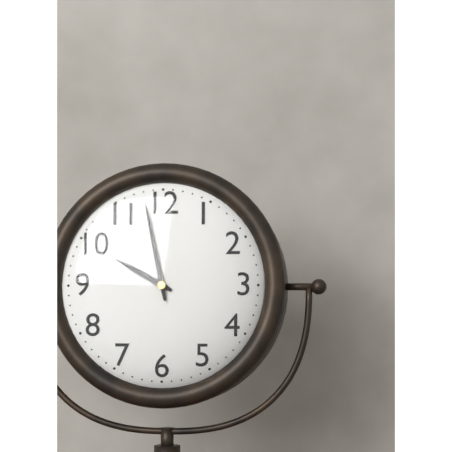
**9:58**
